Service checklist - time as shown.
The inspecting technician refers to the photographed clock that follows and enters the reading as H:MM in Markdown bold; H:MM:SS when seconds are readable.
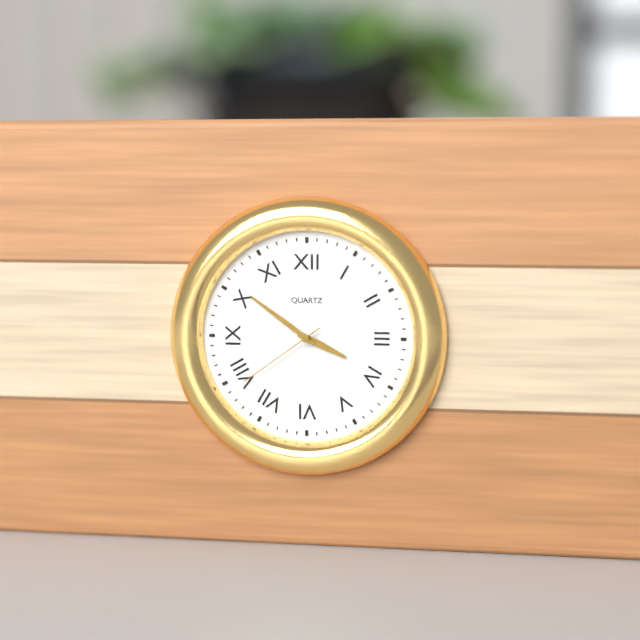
**3:51:39**
